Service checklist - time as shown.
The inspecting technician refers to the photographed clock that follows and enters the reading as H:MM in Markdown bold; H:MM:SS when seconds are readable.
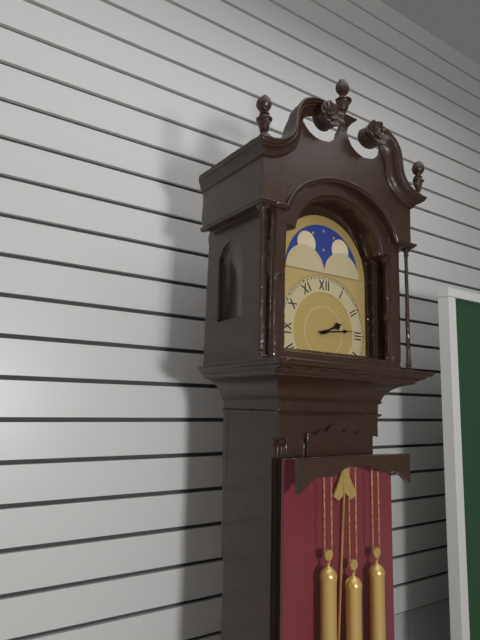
**2:14**
